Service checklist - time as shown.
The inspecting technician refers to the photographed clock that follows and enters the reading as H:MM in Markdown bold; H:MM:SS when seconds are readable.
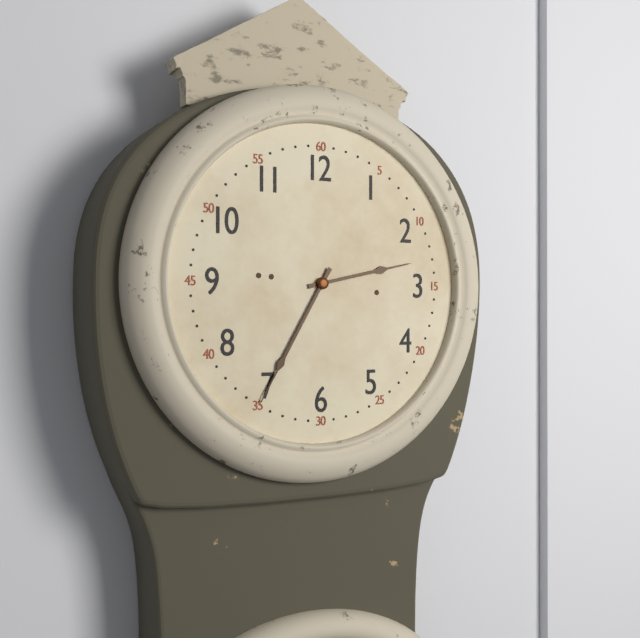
**2:35**
